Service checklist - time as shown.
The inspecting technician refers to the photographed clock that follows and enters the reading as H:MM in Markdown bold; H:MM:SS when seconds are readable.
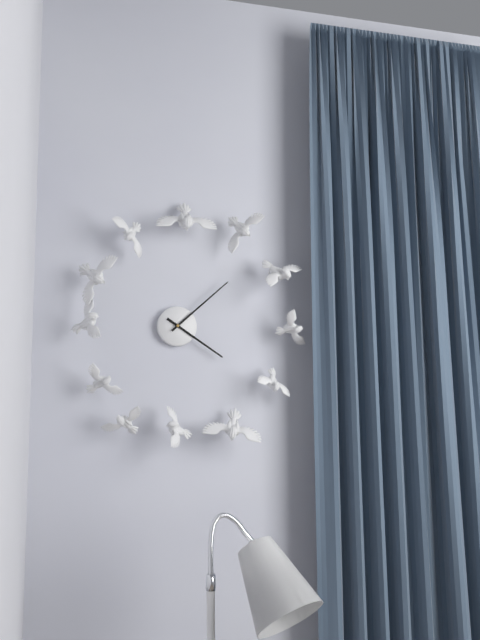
**4:08**
